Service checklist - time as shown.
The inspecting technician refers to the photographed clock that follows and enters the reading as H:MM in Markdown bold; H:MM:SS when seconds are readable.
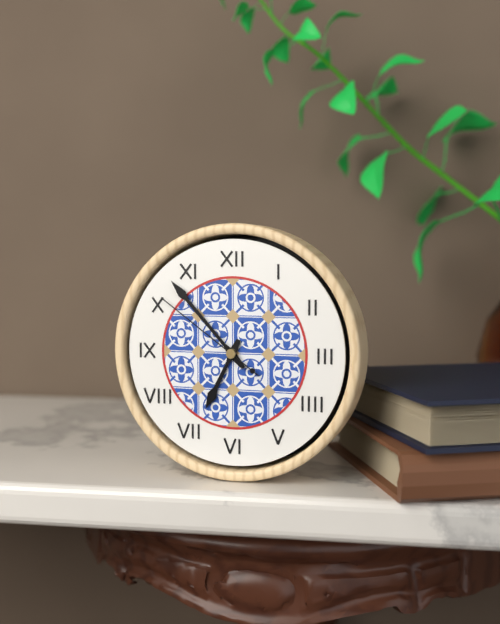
**6:53:51**
